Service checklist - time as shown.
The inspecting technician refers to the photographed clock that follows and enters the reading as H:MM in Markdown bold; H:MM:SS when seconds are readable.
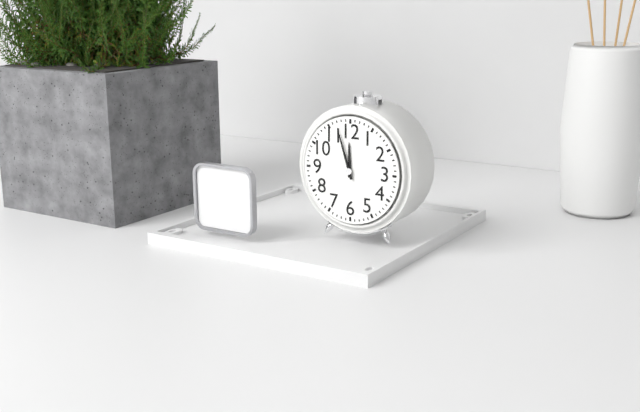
**11:57**
